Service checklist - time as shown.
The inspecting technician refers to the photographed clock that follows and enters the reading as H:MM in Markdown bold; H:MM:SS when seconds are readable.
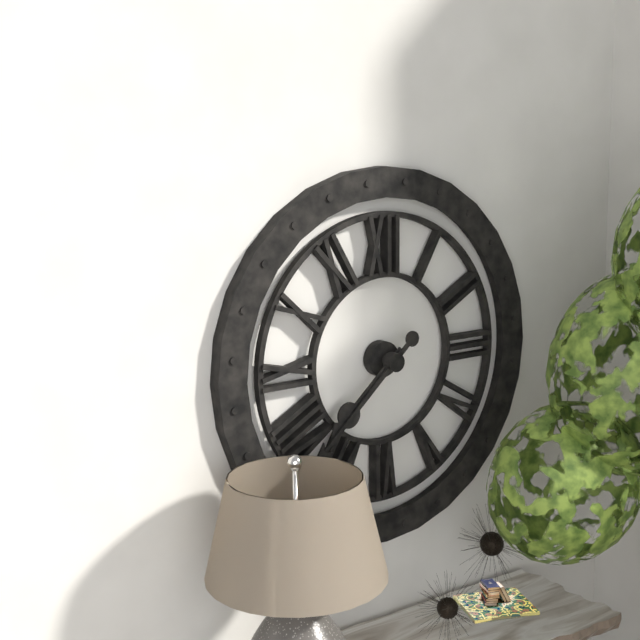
**7:38**
